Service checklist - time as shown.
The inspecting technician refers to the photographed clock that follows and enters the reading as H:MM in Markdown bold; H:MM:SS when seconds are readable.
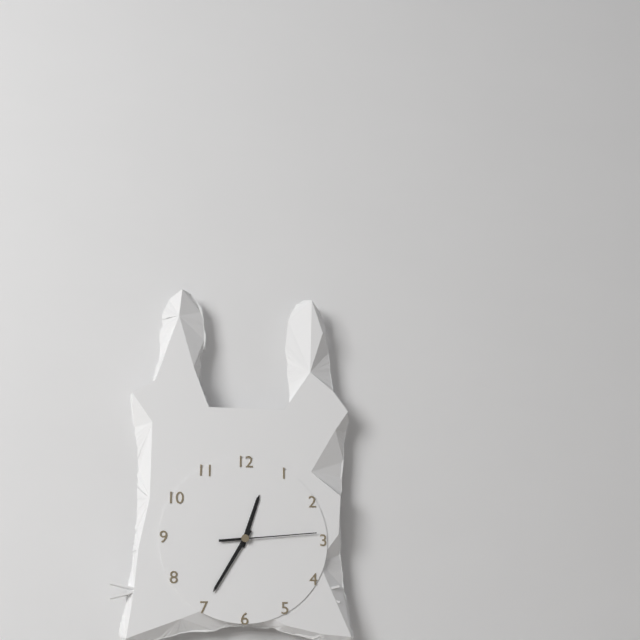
**12:35:14**
